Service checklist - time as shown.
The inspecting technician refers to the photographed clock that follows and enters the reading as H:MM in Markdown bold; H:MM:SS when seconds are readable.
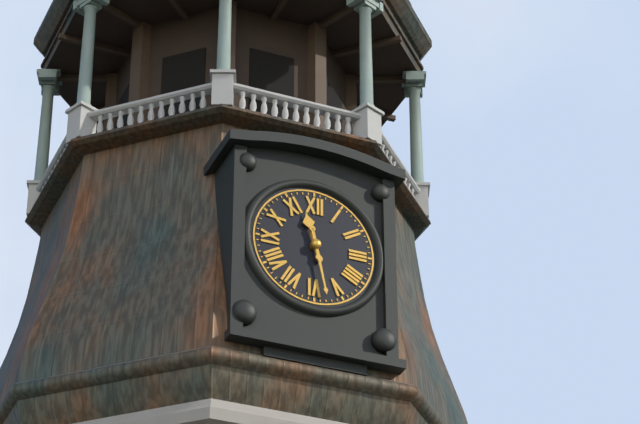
**11:28**
